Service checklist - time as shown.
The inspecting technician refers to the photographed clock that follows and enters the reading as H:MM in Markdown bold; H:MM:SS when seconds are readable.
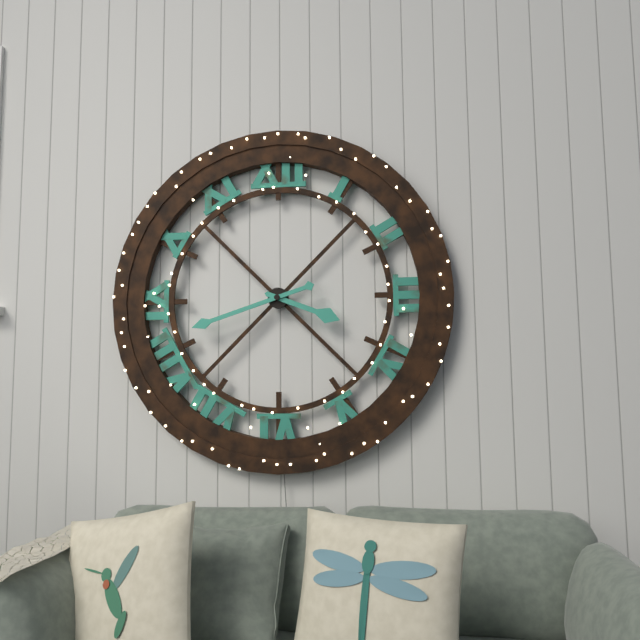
**3:42**
